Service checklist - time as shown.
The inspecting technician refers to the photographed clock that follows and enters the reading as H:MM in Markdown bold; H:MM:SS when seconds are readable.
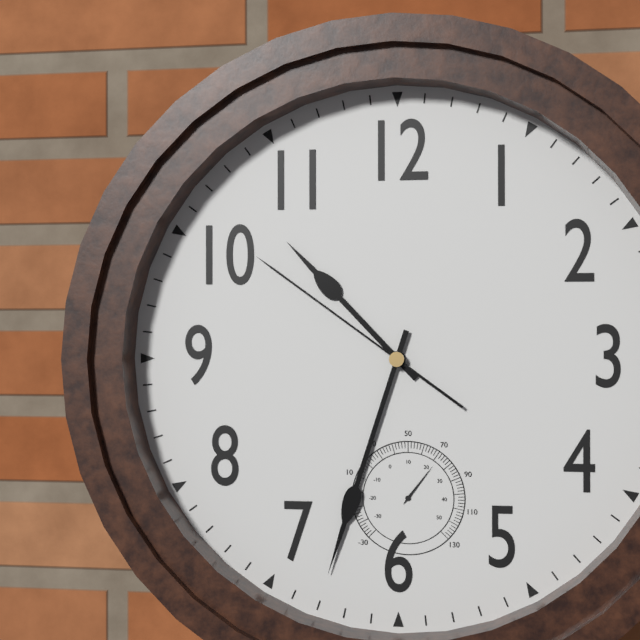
**10:33:51**
